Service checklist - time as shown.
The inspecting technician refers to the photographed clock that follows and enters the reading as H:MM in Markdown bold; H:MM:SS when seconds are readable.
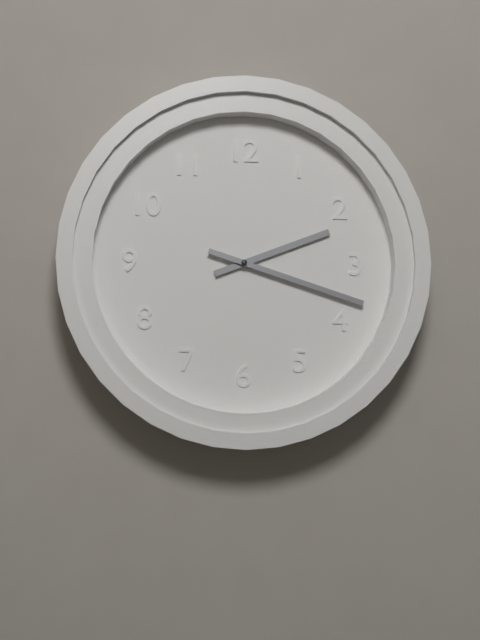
**2:18**
